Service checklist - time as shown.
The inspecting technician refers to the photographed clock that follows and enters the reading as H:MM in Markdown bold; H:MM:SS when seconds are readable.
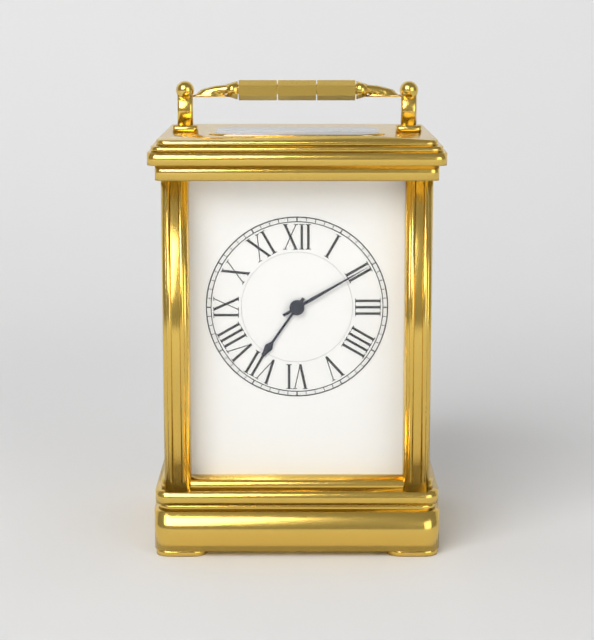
**7:10**
